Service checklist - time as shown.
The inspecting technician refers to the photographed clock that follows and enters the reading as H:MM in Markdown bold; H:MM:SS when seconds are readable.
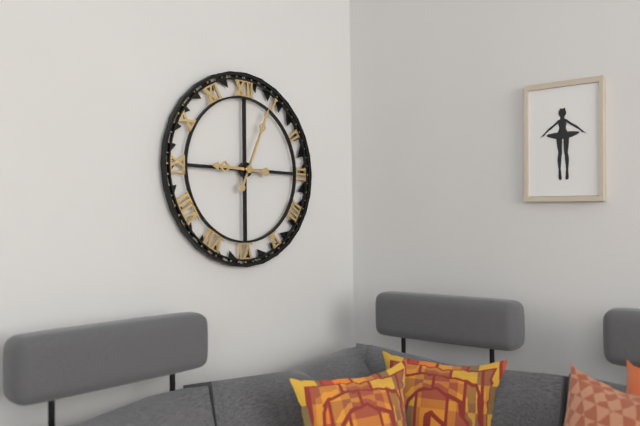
**9:04**
